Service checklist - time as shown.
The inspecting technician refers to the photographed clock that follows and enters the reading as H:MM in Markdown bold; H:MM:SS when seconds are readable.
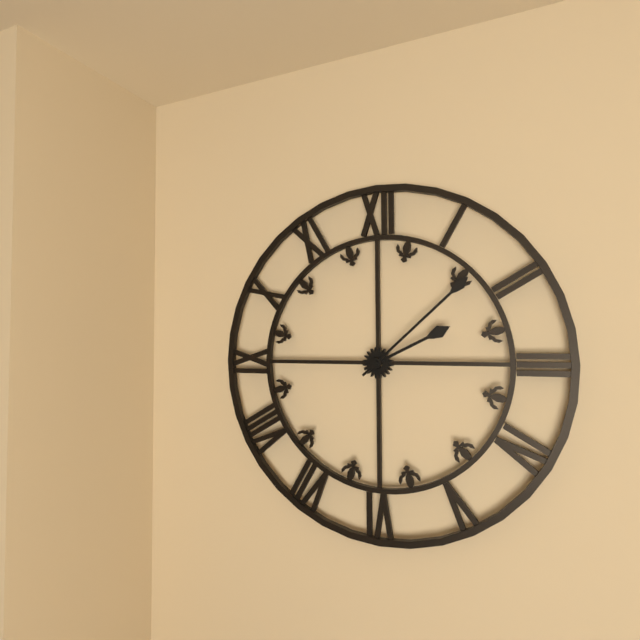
**2:08**
